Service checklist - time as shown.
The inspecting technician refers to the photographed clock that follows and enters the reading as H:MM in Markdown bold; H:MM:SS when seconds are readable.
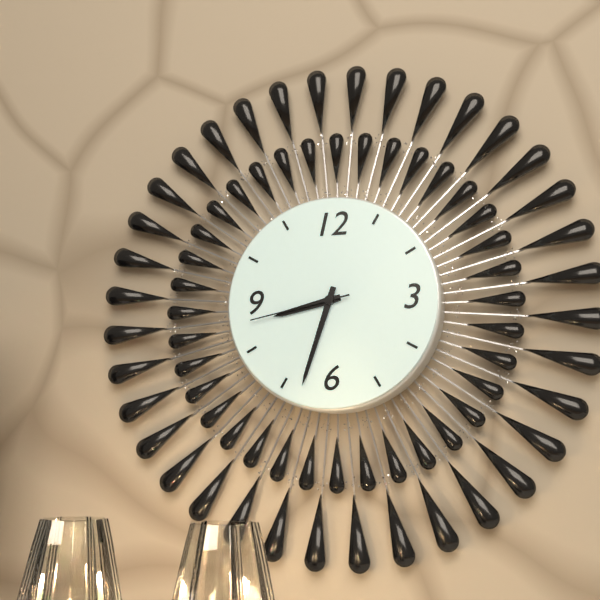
**8:33:43**
